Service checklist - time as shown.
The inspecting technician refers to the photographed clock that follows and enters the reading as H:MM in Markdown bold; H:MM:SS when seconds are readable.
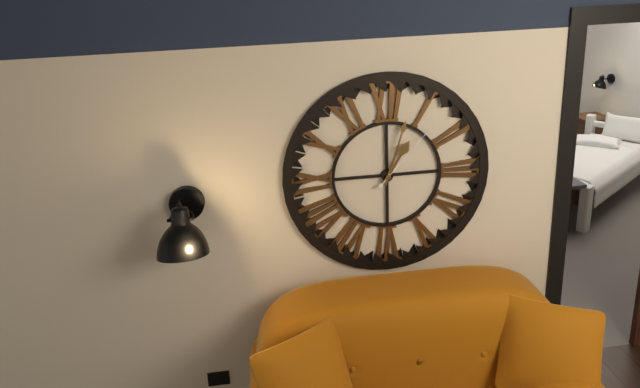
**1:03:07**
